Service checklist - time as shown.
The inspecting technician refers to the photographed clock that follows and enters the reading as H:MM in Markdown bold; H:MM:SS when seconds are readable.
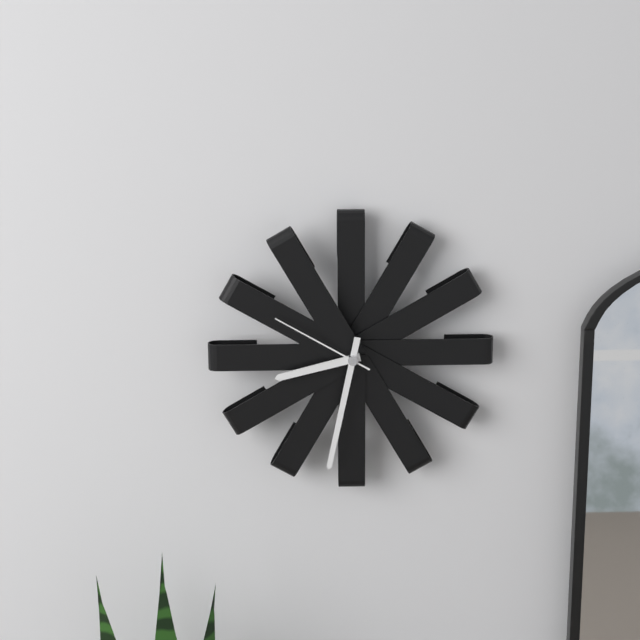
**8:32:50**
